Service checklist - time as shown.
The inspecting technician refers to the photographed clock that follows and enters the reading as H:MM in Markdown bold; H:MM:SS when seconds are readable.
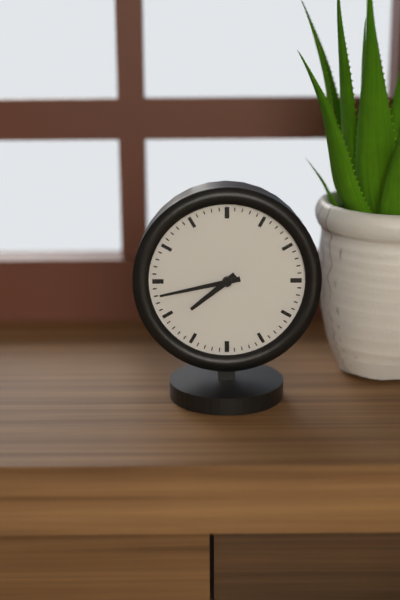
**7:43**
